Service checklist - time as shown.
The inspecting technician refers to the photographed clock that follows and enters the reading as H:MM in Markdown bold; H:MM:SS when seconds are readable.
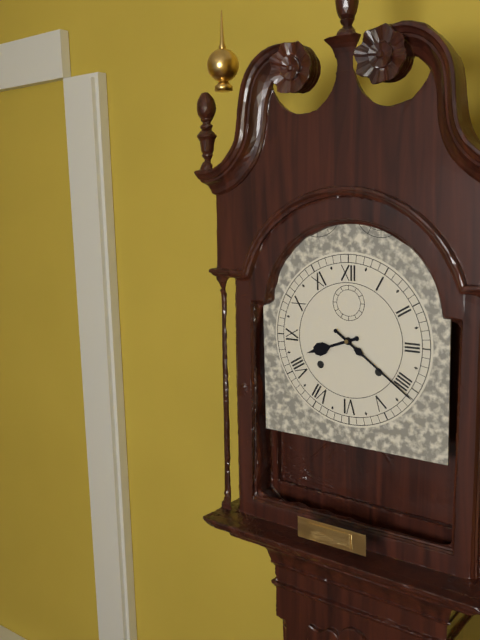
**8:21**
